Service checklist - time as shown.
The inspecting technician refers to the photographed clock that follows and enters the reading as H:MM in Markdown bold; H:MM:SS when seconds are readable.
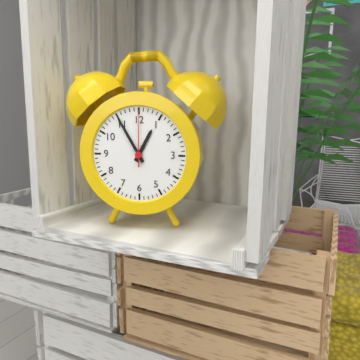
**12:55:00**
